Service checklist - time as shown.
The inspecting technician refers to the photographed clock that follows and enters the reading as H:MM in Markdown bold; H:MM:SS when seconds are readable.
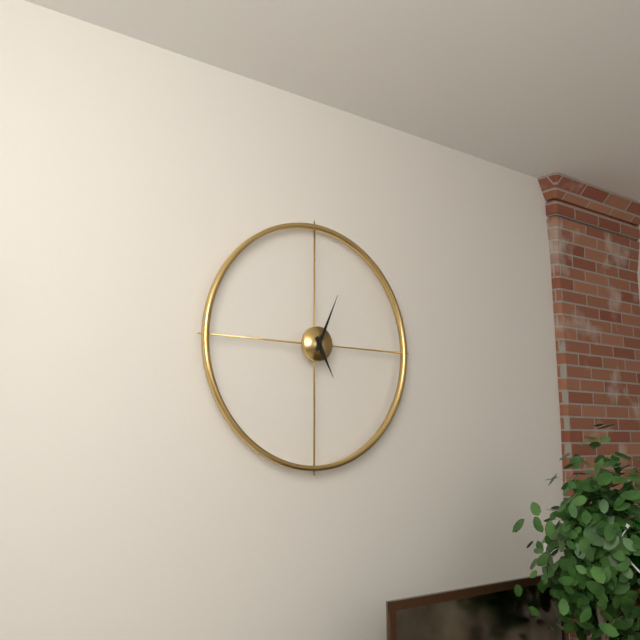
**5:04**
